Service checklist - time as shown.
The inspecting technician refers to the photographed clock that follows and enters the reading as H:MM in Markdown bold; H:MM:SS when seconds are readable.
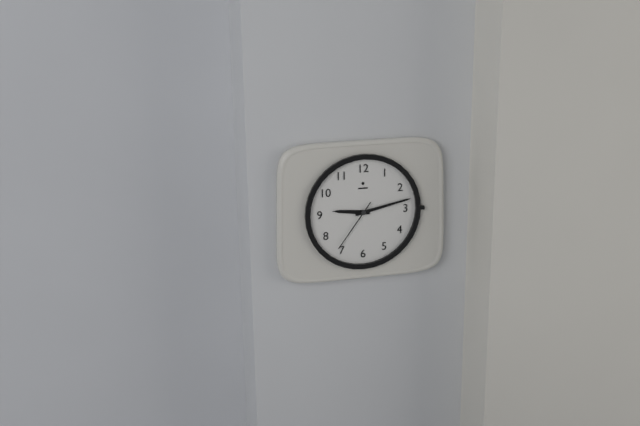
**9:13:36**
